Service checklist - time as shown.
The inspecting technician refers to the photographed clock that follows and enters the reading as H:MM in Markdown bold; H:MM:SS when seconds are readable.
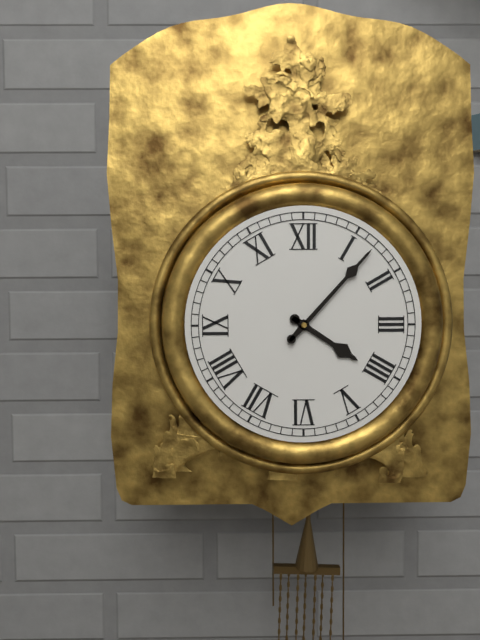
**4:07**
